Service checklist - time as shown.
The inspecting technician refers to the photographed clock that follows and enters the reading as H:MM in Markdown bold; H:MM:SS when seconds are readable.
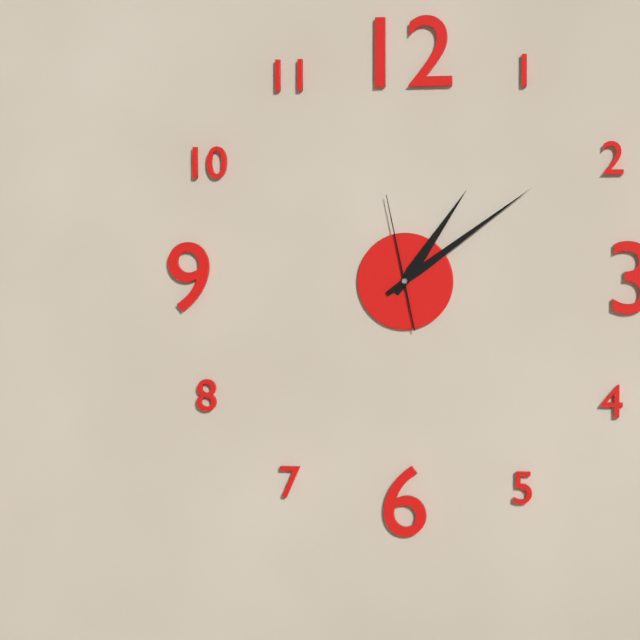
**1:09:58**
